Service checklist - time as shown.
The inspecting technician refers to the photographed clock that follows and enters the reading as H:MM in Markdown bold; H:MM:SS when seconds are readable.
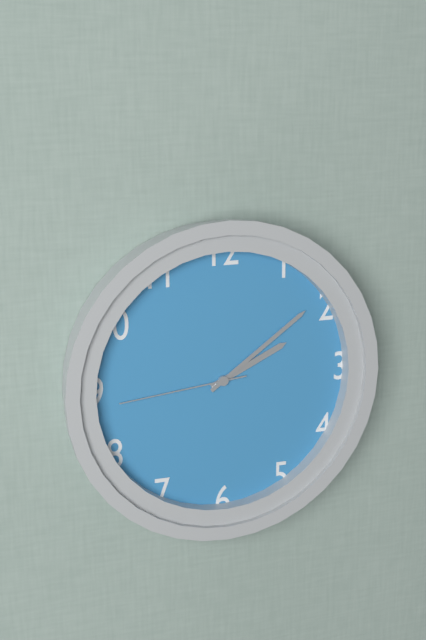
**2:09:44**
